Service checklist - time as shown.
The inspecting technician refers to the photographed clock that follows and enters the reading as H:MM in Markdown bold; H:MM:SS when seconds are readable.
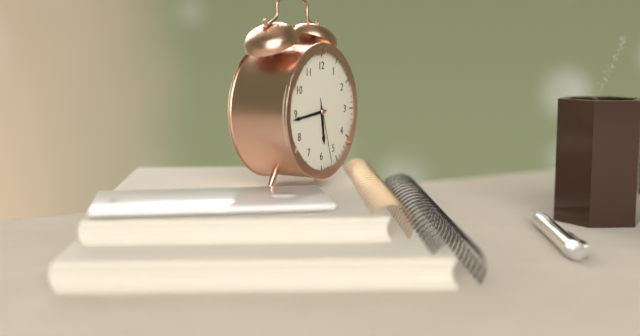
**5:44:27**
